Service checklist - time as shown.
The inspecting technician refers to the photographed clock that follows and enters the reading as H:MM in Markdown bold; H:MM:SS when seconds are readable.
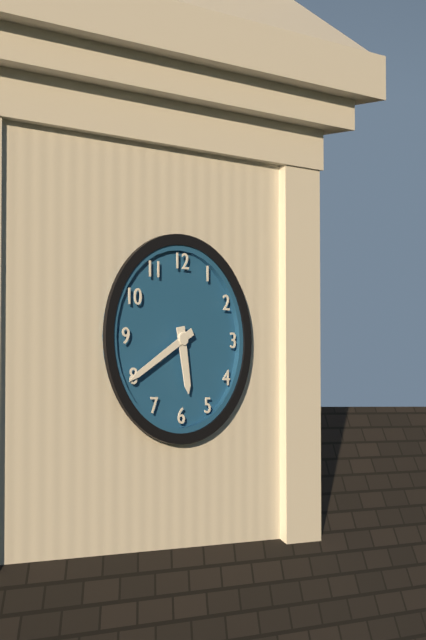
**5:40**
